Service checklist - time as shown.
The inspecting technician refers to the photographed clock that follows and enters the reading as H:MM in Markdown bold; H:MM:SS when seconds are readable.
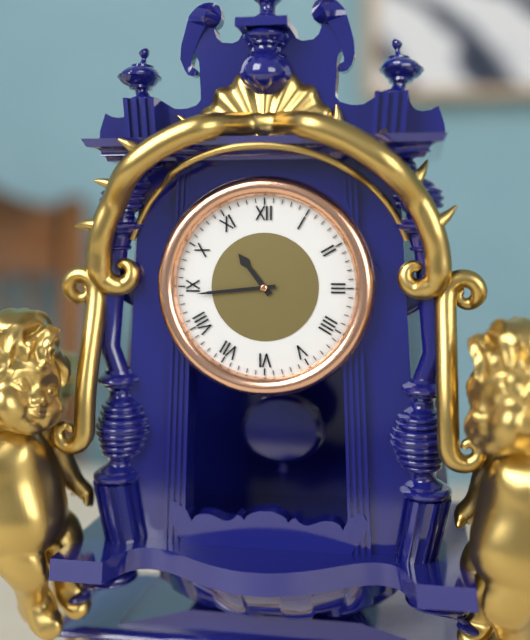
**10:44**
